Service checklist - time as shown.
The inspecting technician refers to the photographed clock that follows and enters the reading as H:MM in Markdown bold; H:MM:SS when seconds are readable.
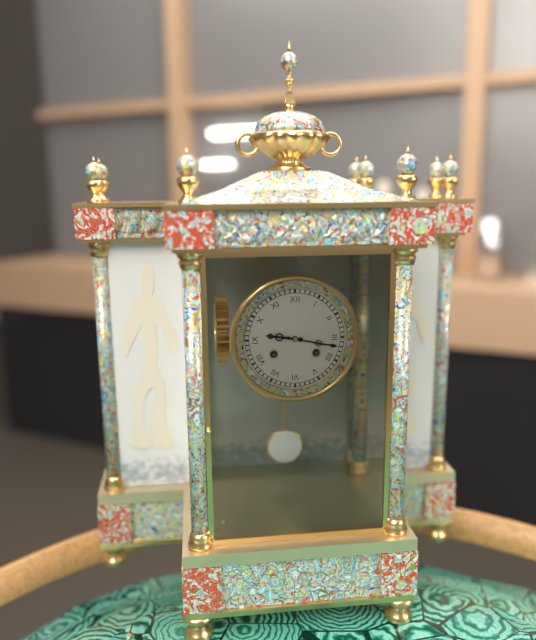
**9:17**
